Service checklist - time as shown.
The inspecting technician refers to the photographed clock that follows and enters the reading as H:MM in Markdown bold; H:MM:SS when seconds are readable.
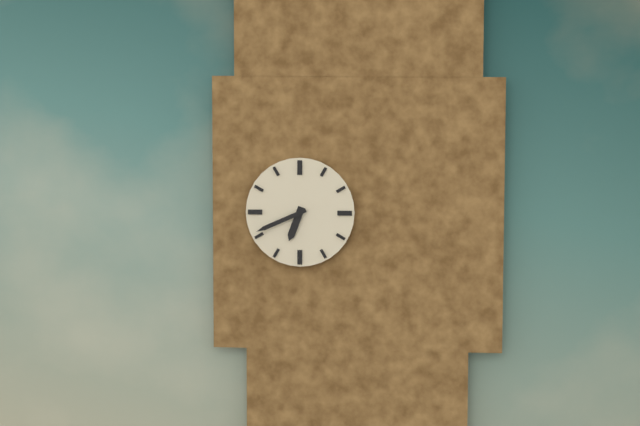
**6:41**
